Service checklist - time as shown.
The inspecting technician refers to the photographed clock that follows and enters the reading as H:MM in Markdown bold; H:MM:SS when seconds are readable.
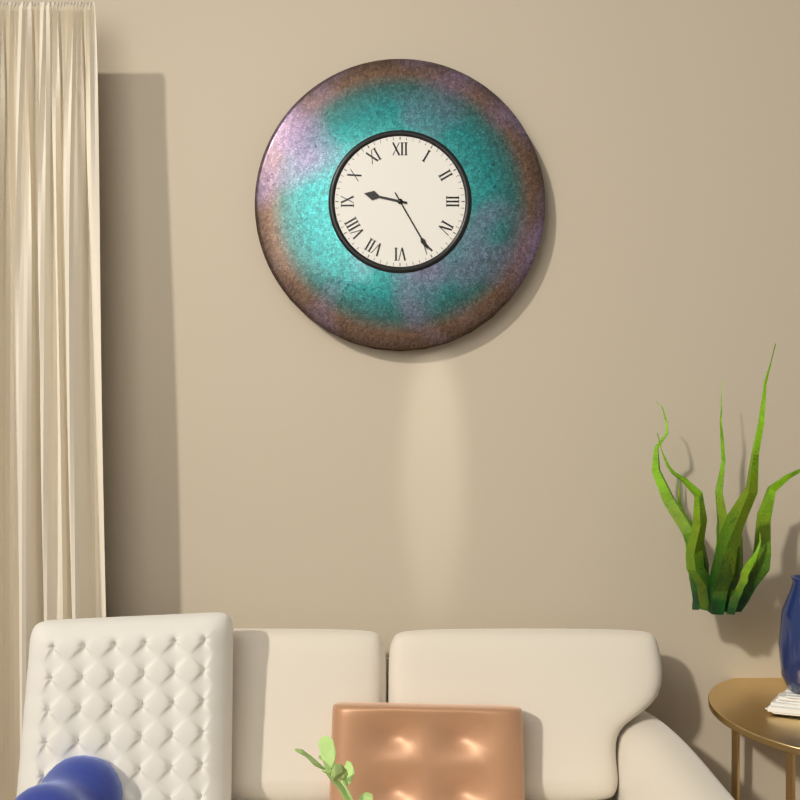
**9:25**
